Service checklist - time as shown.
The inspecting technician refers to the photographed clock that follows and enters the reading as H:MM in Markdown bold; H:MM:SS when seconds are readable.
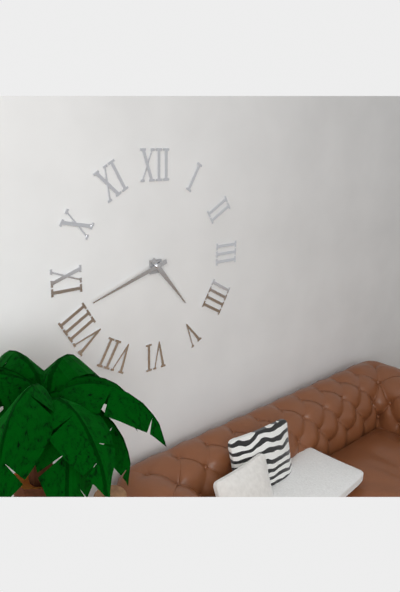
**4:42**
